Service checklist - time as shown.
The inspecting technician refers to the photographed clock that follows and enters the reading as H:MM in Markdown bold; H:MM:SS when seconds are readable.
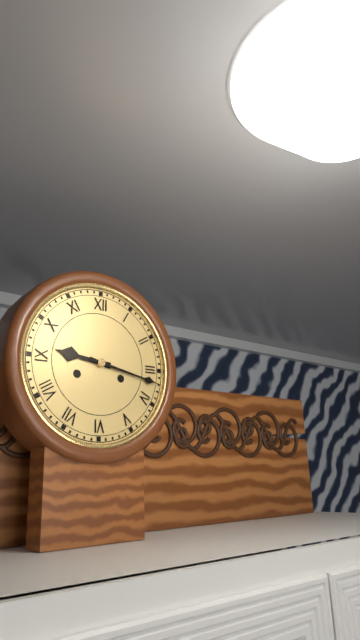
**9:17**
